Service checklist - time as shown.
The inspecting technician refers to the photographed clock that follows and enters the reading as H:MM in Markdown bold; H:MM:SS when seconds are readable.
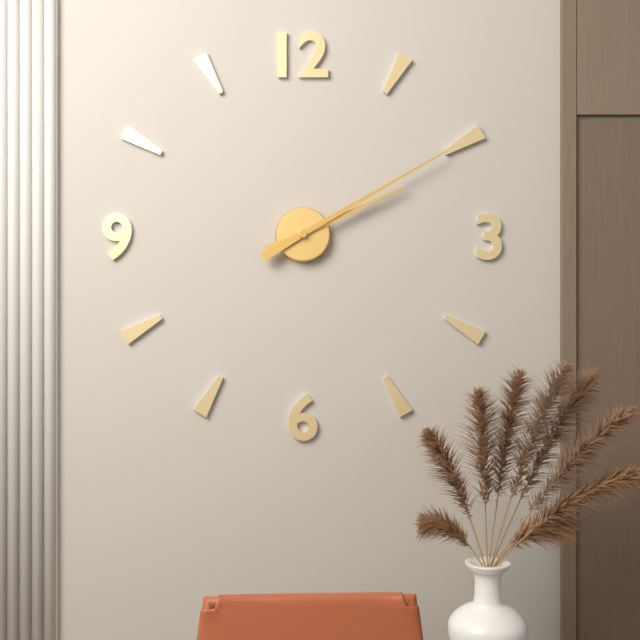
**2:10**
